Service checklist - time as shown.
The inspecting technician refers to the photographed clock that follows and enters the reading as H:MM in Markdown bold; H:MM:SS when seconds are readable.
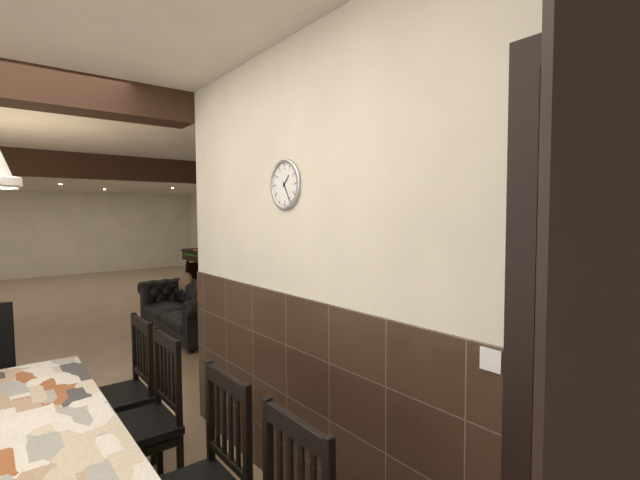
**1:25**
